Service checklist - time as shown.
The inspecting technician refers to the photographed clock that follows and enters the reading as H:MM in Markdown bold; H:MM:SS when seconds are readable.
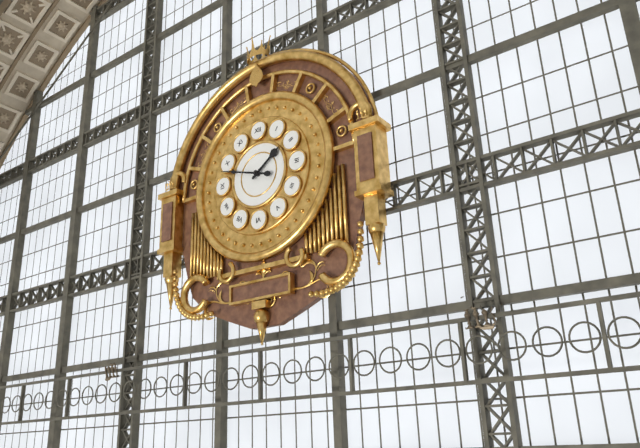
**1:48**
